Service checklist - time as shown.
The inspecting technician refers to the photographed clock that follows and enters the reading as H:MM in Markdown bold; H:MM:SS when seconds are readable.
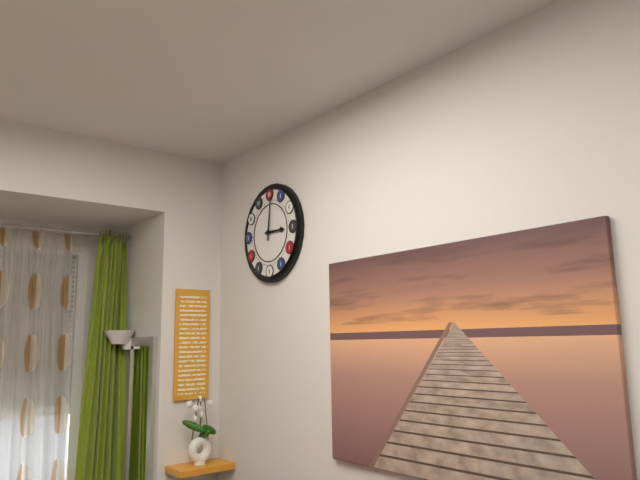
**3:01**
